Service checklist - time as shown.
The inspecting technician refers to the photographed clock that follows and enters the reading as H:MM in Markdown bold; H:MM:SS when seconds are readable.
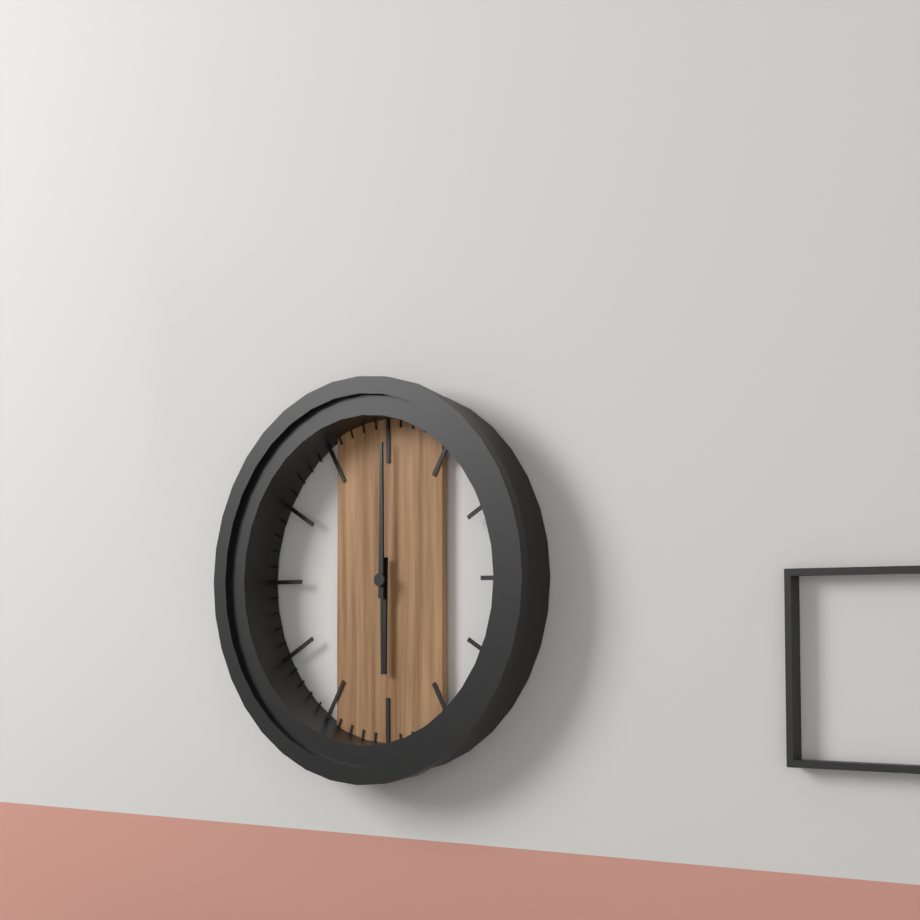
**6:00**
